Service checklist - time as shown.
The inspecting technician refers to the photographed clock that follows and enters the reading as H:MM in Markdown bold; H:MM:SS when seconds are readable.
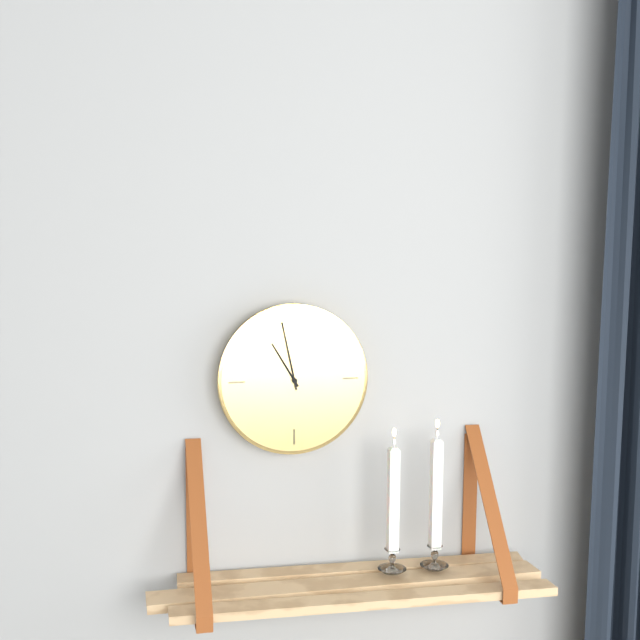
**10:58**
